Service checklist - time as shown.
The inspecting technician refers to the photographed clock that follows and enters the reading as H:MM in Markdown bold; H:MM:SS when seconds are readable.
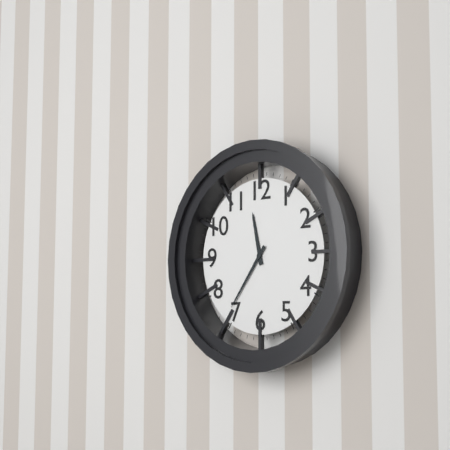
**11:36**
